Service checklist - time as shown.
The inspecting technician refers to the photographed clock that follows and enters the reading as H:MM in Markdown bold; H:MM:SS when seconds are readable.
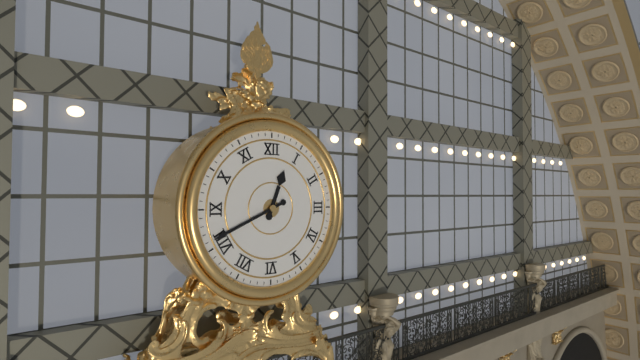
**12:41**
